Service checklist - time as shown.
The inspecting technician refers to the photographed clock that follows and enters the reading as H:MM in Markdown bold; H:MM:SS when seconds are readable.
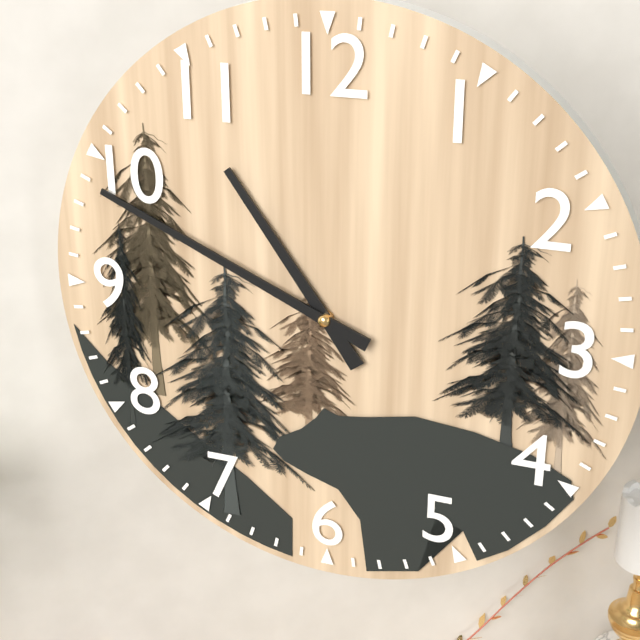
**10:49**
